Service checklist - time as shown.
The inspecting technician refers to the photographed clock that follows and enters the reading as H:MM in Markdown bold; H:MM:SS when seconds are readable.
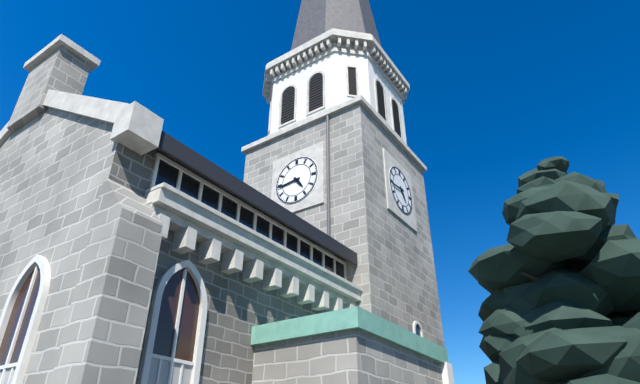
**4:44**
